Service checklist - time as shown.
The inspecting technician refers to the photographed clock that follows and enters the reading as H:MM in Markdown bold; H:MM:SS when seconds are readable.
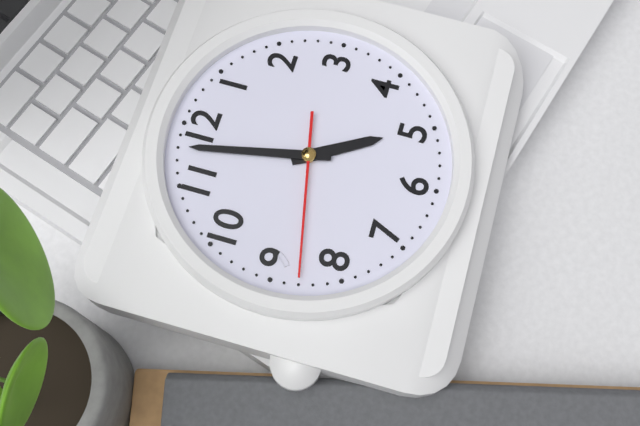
**4:58:43**
